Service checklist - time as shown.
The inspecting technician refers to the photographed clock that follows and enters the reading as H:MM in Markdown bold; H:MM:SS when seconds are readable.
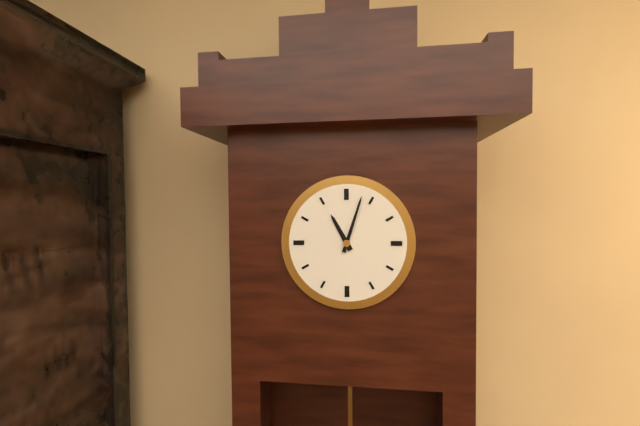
**11:03**
